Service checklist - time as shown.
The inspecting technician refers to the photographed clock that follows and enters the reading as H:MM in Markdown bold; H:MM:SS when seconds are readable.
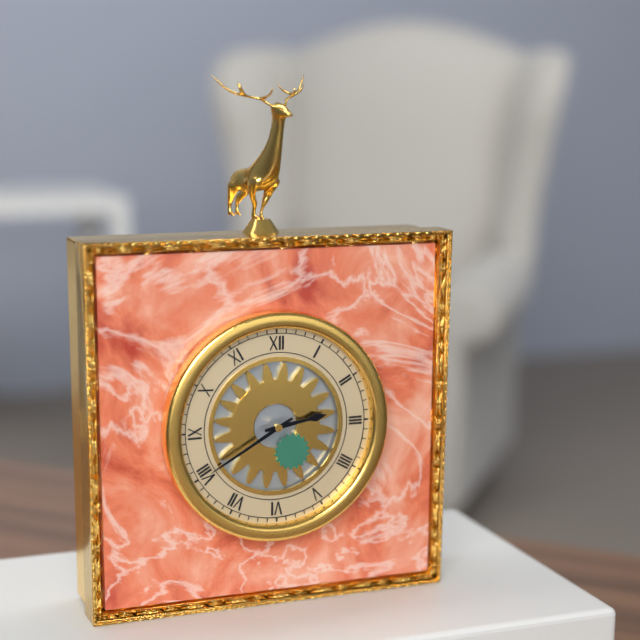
**2:40**
